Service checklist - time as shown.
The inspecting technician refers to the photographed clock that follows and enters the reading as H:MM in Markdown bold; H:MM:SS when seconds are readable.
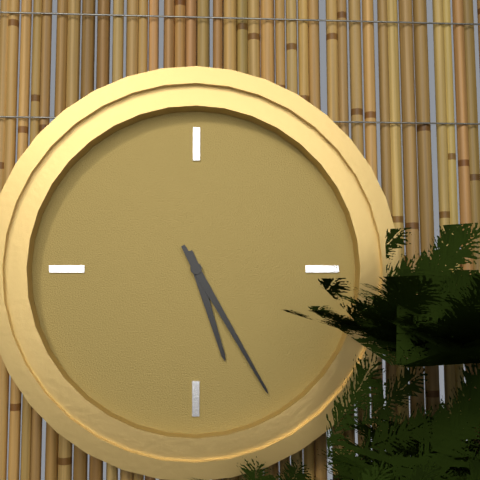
**5:25**
